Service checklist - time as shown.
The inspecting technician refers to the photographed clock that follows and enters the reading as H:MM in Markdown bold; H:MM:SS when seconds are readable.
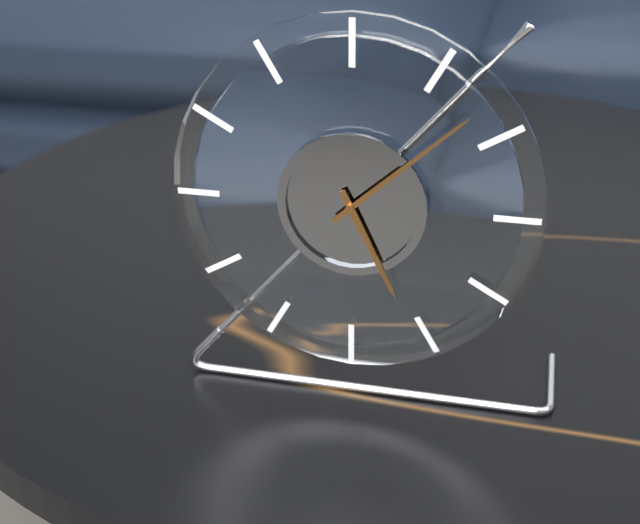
**5:08**
